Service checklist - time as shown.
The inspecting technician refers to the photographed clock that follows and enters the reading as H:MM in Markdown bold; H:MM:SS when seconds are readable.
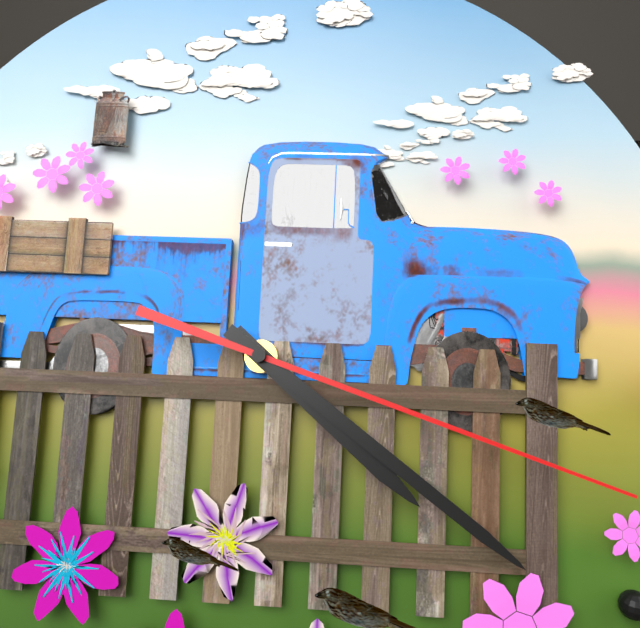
**4:21:18**
